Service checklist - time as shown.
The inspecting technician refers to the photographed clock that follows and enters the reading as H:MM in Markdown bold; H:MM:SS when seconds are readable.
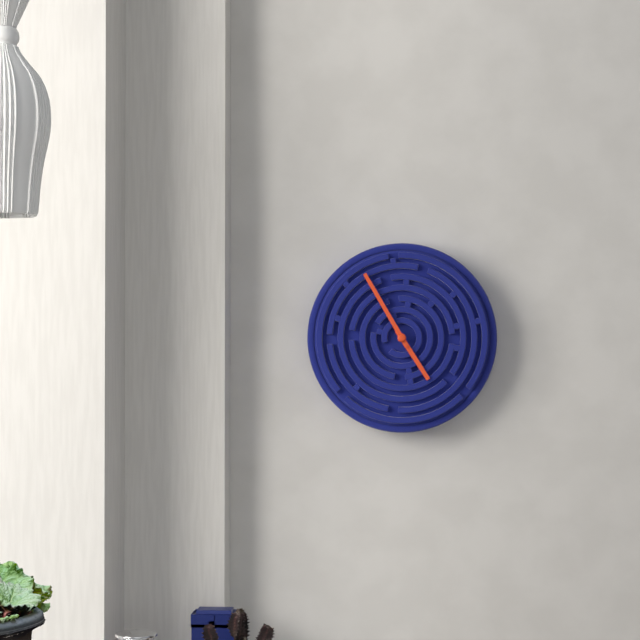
**4:55**
